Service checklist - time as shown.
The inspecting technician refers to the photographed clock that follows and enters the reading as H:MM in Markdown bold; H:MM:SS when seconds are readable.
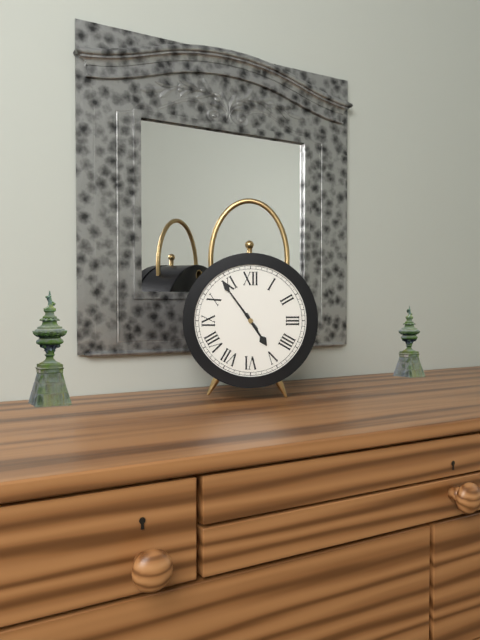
**4:54**
